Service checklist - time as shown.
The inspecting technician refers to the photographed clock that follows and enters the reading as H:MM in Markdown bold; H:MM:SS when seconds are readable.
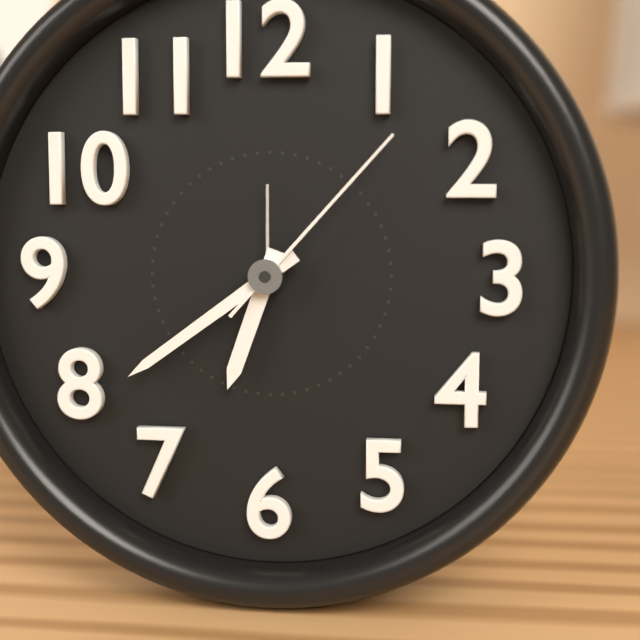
**6:39:07**
